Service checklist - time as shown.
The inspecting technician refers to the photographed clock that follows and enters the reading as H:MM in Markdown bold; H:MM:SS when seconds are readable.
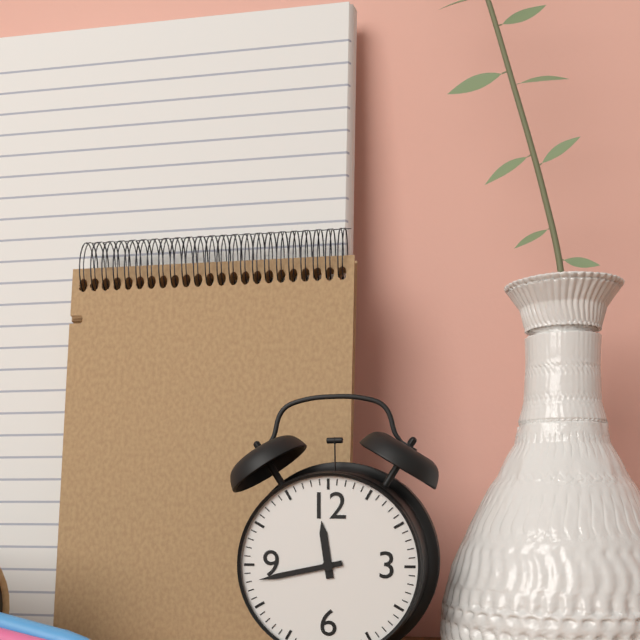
**11:43**
